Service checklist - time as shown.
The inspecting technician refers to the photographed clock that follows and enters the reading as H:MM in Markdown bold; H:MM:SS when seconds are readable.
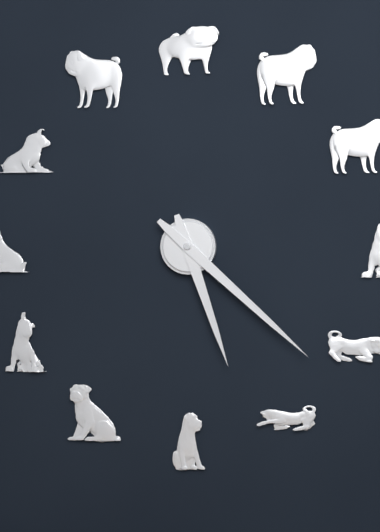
**5:22**
